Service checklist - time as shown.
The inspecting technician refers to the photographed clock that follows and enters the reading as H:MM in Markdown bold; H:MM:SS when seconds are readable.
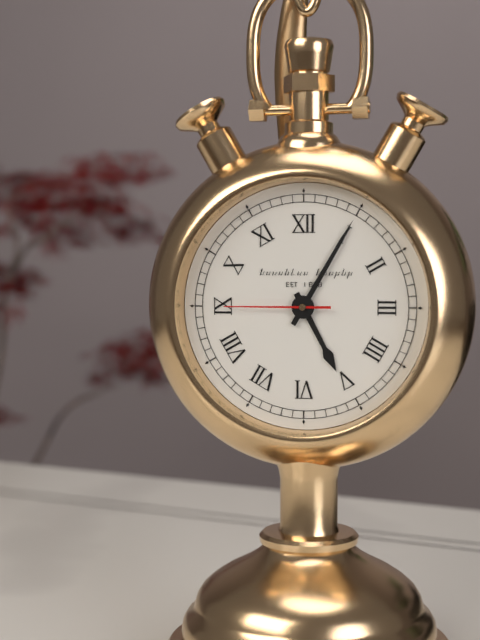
**5:05:45**
